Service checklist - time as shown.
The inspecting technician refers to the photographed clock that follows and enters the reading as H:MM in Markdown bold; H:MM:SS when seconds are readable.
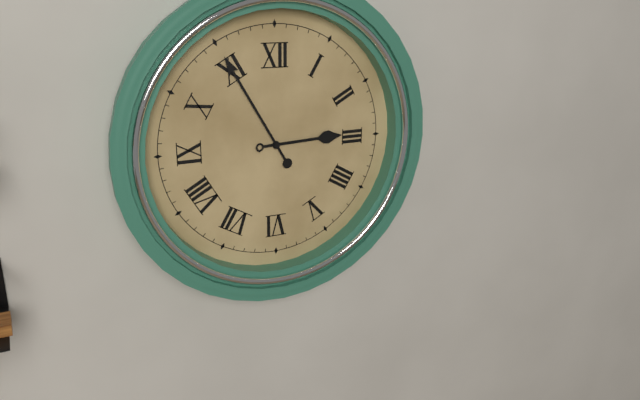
**2:55**
